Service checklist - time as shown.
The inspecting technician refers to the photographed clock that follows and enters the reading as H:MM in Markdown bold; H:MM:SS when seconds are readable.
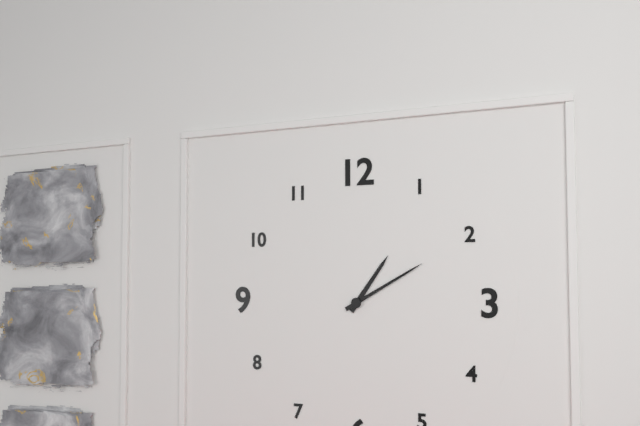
**1:10**
